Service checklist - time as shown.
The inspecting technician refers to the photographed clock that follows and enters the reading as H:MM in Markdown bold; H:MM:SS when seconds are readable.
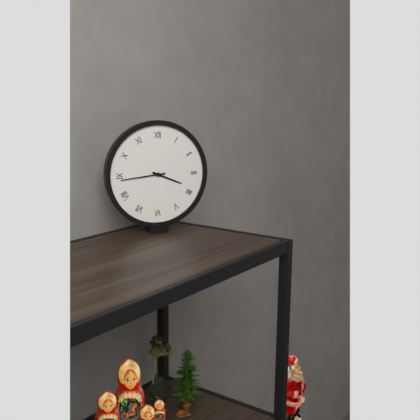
**3:44**
